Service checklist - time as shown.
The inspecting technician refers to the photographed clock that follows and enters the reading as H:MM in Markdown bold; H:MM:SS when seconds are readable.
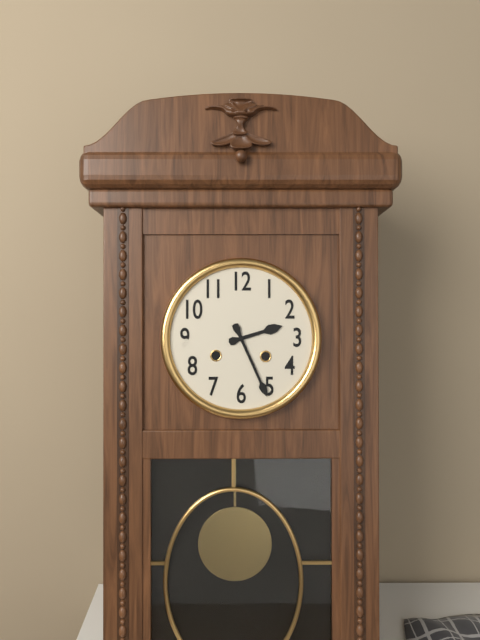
**2:26**
